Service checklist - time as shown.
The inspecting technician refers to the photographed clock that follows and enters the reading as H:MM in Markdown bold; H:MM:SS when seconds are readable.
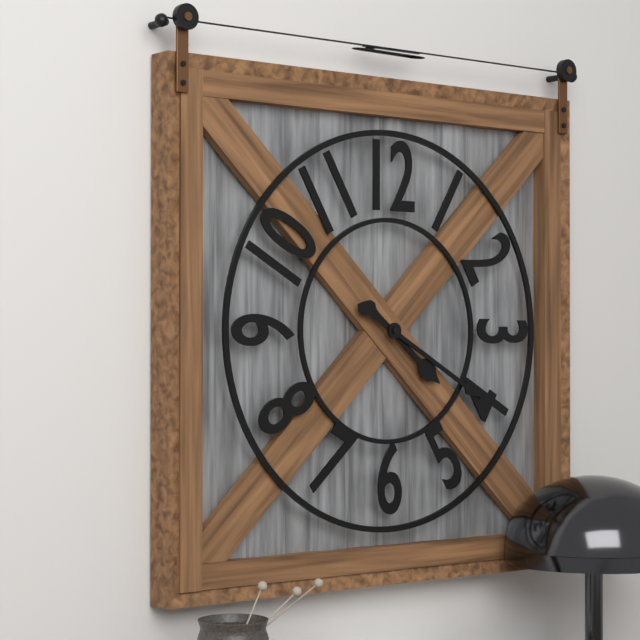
**4:20**
